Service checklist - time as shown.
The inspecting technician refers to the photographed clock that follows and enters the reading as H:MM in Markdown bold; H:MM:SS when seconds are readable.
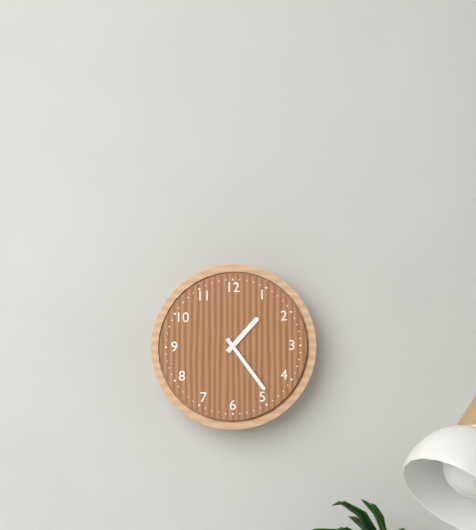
**1:24**
